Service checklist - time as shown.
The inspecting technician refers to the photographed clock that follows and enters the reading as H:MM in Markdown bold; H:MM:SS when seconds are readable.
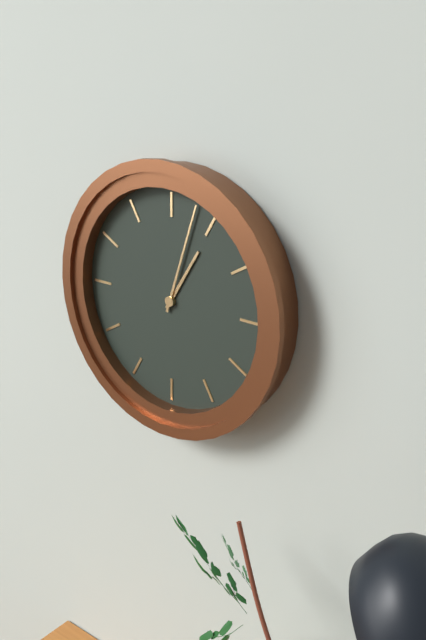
**1:03**
